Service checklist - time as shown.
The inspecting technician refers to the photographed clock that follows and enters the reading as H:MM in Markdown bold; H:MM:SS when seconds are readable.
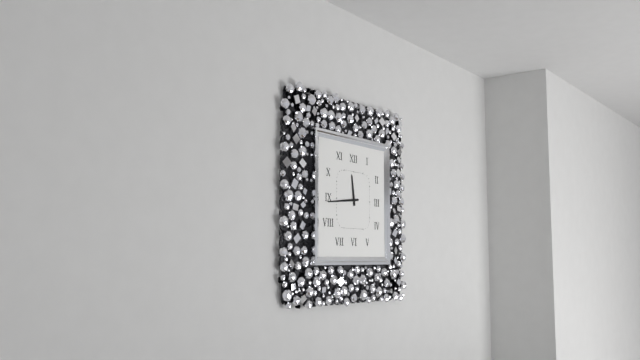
**11:44**
